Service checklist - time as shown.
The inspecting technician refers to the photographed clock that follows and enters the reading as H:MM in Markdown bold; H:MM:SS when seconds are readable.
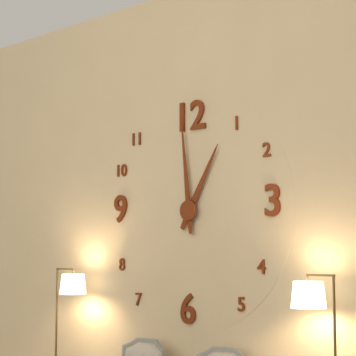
**12:59**
